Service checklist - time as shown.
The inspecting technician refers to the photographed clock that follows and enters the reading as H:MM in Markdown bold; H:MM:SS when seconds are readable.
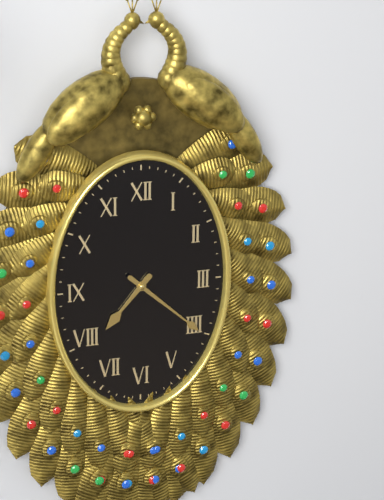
**7:22**
